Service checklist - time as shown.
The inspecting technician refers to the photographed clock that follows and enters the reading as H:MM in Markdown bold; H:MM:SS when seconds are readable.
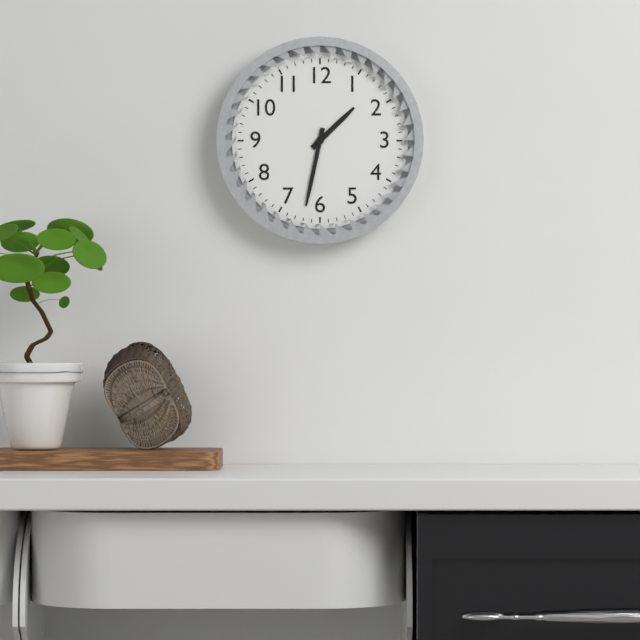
**1:32**
